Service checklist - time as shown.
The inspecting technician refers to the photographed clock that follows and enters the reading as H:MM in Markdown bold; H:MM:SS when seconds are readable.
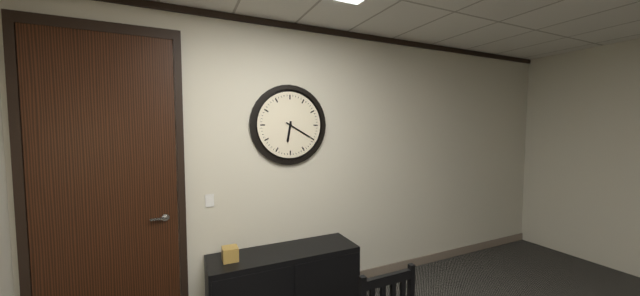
**6:20**
